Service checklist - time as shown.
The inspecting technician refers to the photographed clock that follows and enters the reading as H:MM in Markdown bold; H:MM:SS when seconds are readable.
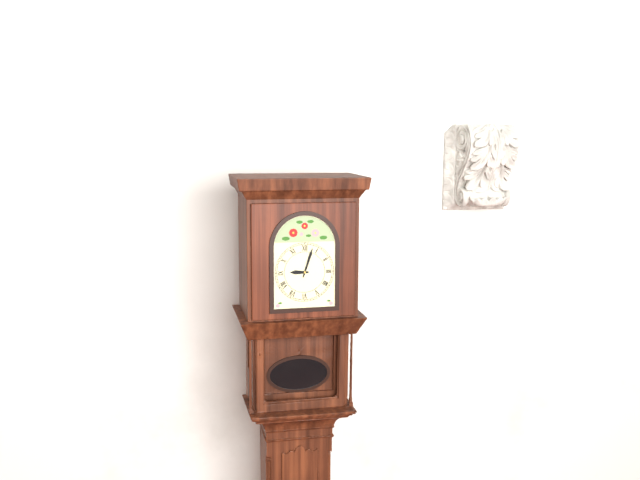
**9:03**
